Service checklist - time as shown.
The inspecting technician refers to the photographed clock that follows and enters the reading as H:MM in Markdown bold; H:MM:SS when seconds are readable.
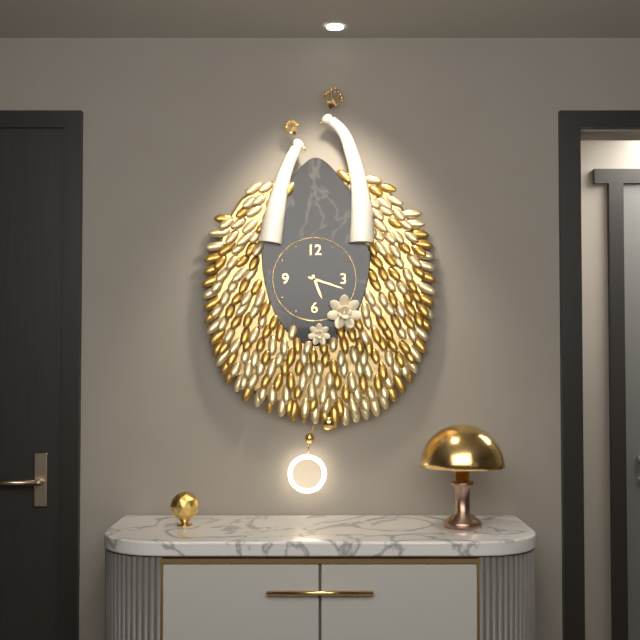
**5:18**
